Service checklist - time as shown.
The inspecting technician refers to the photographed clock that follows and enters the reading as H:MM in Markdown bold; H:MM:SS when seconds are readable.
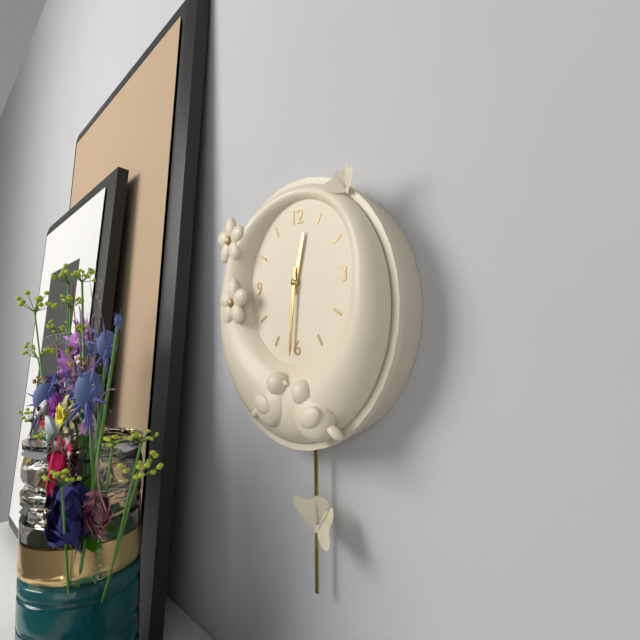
**12:31**
